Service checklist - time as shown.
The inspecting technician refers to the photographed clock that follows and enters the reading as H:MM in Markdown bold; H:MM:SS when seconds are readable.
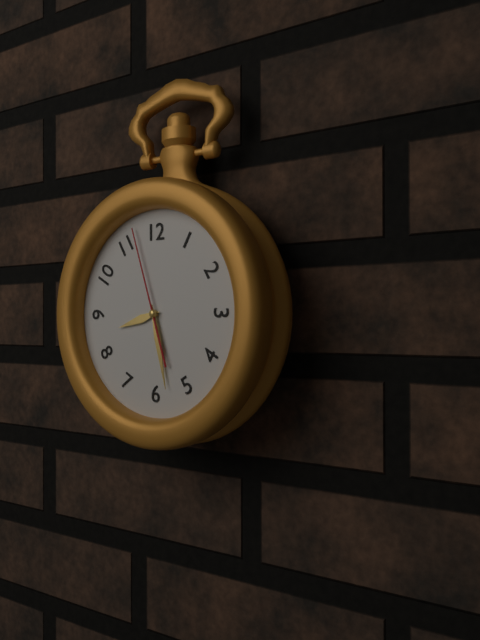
**8:28:57**
